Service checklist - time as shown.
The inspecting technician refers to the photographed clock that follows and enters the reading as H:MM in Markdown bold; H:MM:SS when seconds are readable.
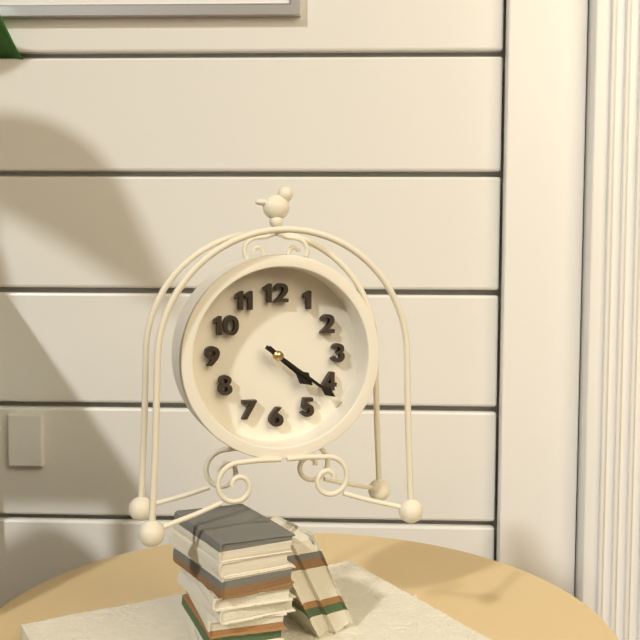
**4:21**
